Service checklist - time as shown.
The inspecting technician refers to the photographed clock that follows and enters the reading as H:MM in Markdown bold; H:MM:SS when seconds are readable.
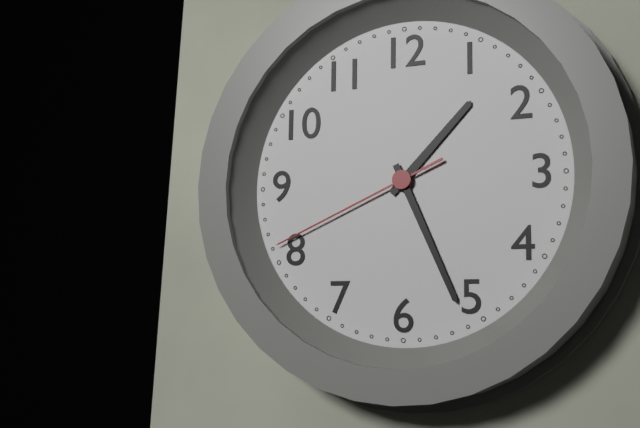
**1:26:41**
